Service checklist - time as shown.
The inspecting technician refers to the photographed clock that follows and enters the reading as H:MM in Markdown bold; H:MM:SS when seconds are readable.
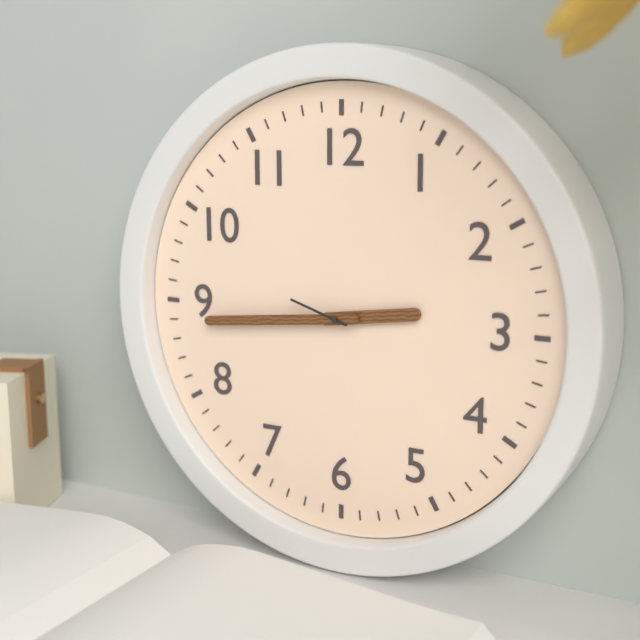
**2:44:48**
